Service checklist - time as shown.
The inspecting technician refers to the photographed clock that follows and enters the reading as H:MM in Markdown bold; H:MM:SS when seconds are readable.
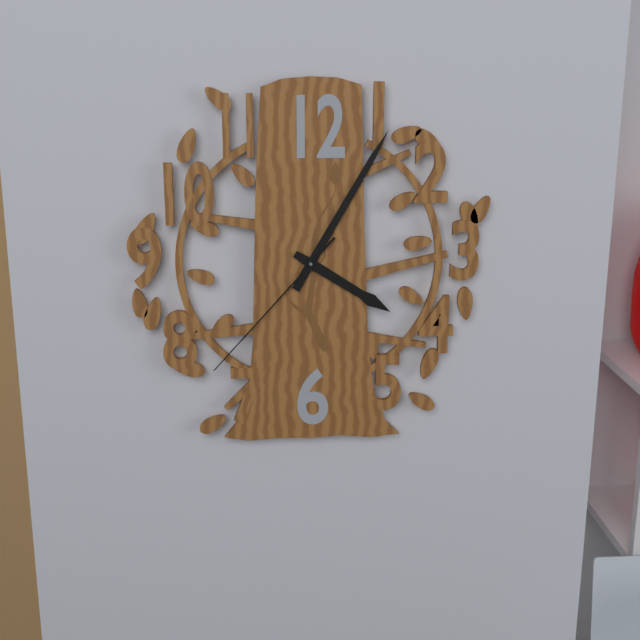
**4:05:37**
